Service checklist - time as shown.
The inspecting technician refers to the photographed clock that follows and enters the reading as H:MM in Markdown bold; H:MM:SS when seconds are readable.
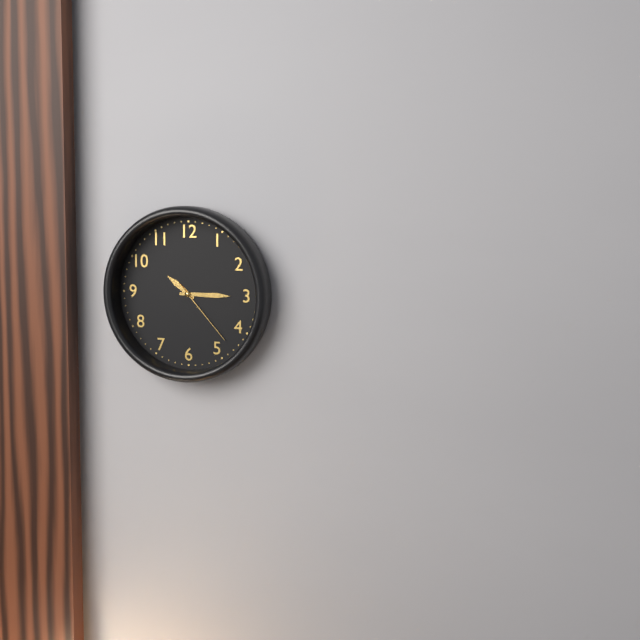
**10:15:23**
